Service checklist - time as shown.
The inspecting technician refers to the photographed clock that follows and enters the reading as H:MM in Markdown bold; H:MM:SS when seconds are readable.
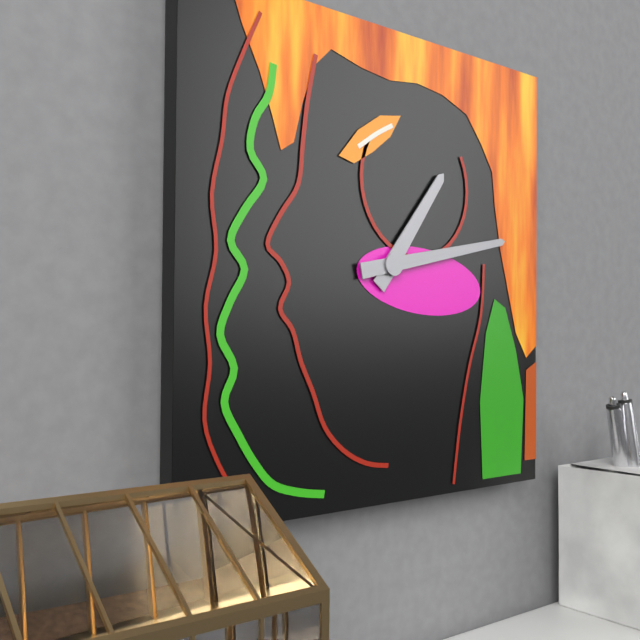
**1:13**
